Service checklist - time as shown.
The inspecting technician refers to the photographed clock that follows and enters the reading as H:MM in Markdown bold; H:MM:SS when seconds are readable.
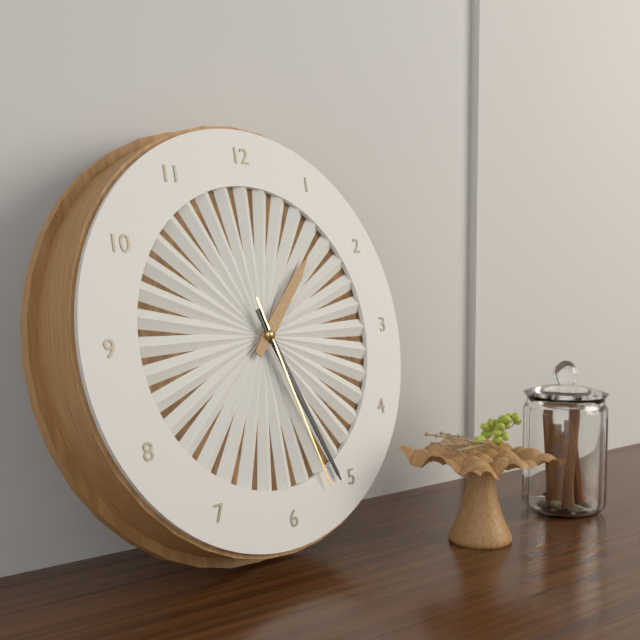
**1:26:27**
